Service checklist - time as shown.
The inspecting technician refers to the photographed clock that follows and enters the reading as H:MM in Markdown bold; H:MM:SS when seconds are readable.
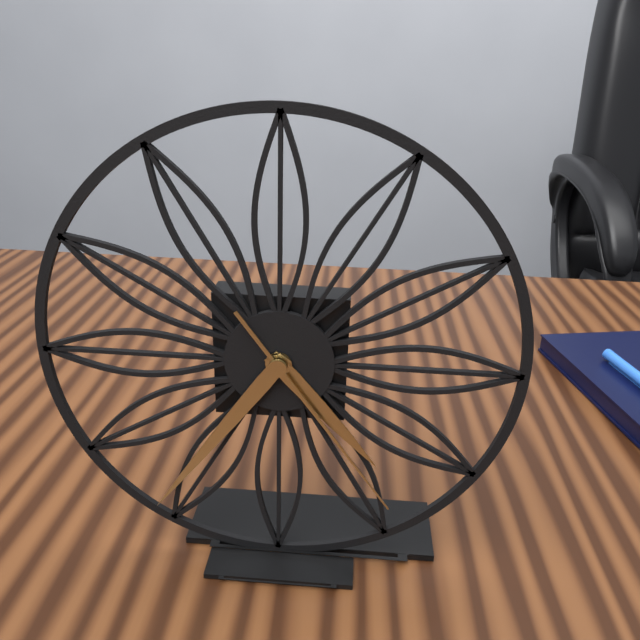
**4:36:24**
